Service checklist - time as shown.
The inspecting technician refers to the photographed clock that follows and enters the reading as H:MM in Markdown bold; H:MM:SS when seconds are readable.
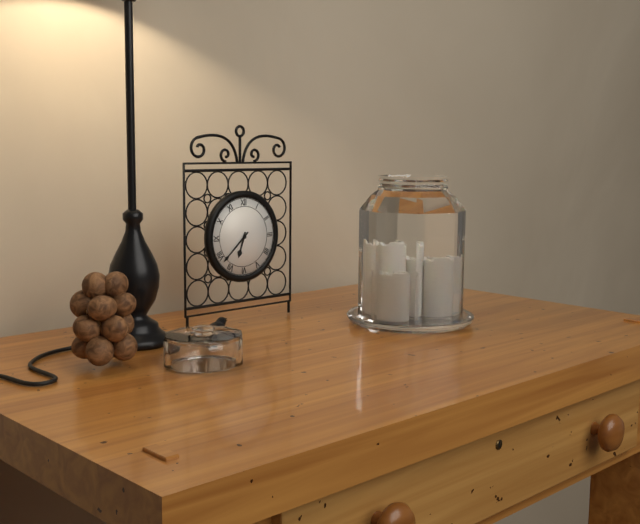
**6:38**
